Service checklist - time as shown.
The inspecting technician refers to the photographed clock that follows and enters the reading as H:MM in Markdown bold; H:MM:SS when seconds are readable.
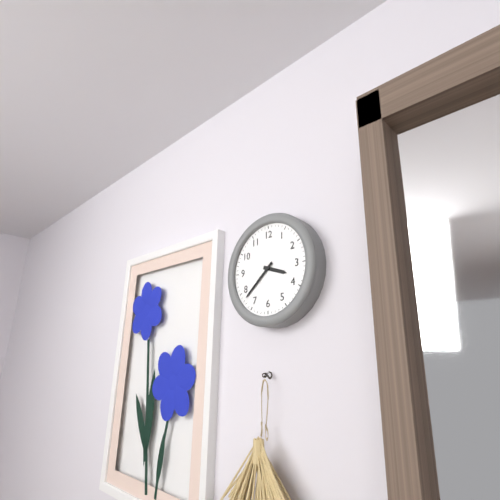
**3:38**
